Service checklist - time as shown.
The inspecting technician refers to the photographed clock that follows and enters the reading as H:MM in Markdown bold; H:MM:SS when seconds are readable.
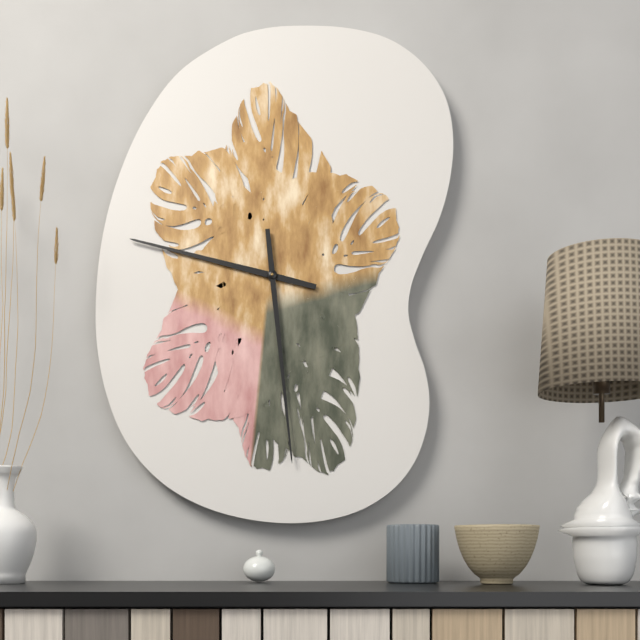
**9:29**
